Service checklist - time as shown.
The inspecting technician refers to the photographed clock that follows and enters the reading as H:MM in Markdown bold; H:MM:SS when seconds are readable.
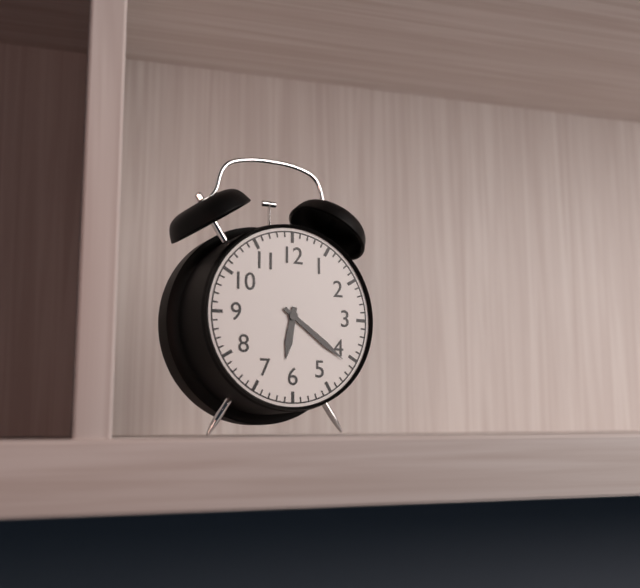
**6:21**
